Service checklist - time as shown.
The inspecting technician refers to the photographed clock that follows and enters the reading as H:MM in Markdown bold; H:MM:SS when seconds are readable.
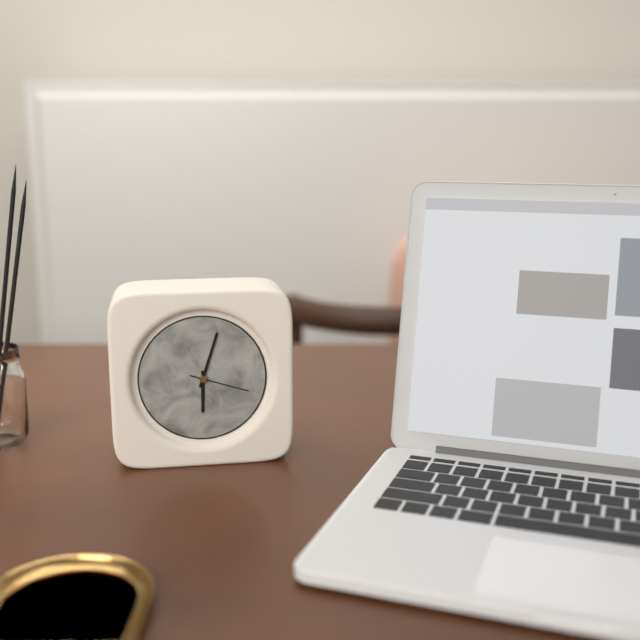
**6:03:18**
